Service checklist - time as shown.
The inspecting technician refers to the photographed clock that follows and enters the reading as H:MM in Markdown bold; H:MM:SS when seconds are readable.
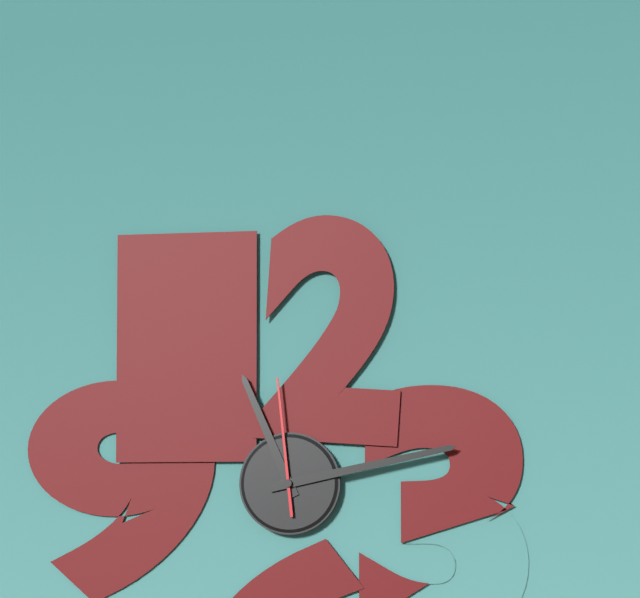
**11:13:59**
